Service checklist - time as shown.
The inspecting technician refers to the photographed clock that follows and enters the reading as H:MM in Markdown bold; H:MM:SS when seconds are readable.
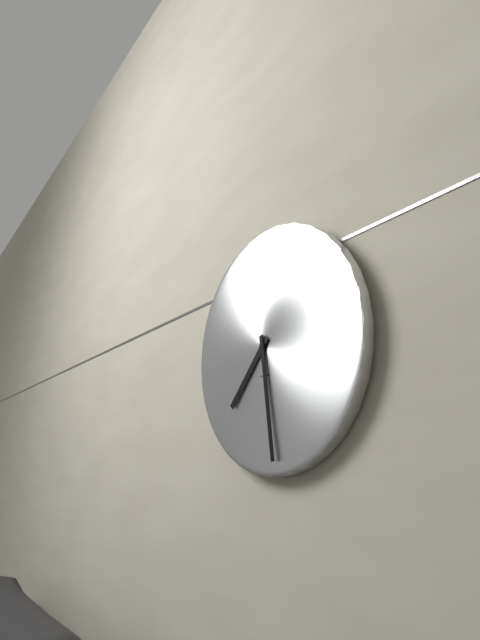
**7:29**
